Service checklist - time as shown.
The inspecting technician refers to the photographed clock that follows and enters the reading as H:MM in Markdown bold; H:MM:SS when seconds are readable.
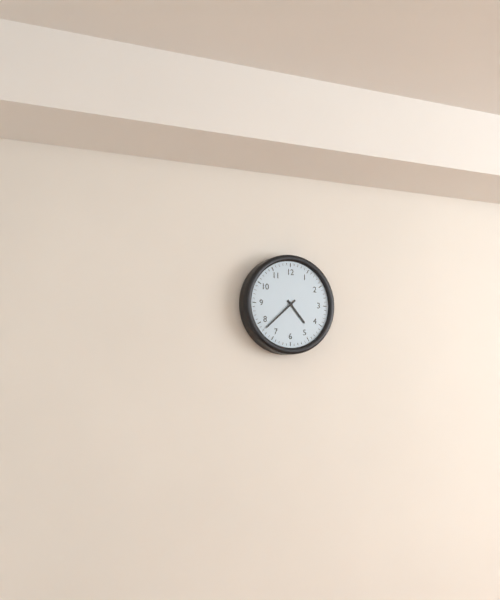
**4:38**
